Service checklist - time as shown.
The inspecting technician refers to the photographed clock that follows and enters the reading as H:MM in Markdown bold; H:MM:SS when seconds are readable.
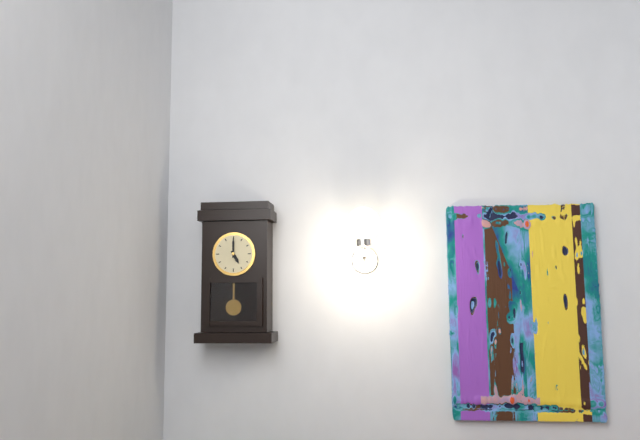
**5:00**
